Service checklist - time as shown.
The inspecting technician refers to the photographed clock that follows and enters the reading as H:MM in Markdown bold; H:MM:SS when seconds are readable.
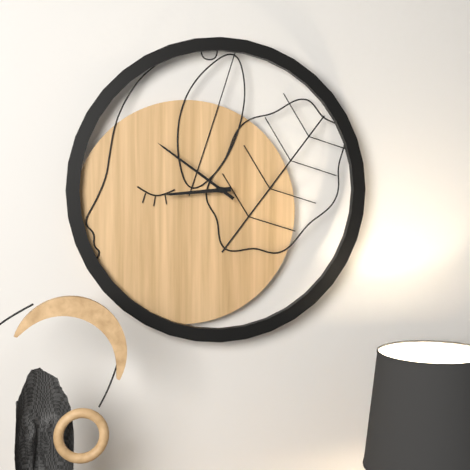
**8:51**
